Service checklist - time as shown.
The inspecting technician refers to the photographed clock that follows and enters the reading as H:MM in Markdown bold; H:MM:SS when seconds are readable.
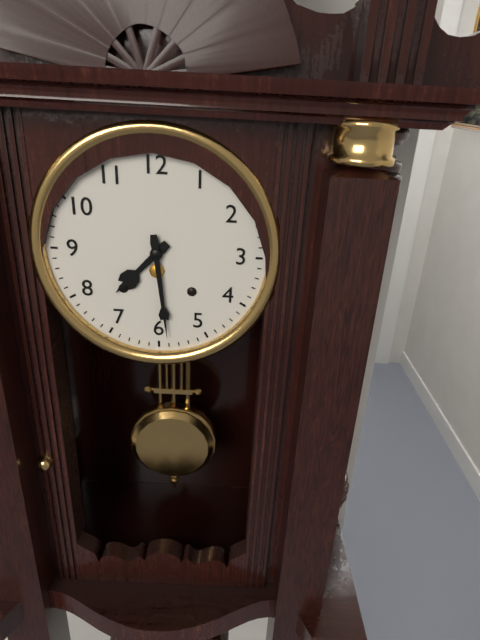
**7:29**
